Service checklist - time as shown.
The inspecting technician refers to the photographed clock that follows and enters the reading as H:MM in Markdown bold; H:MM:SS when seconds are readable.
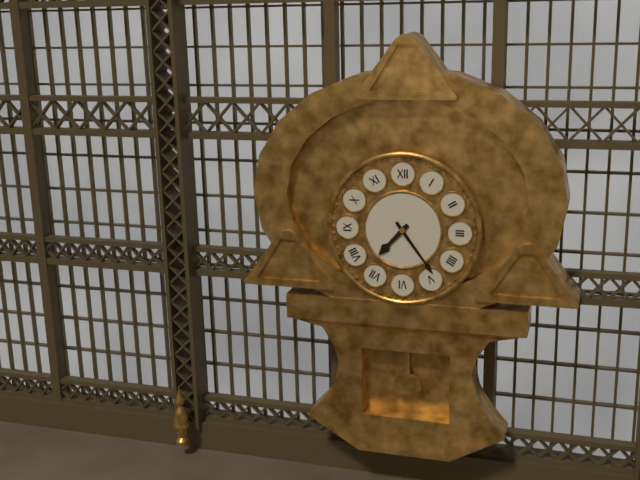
**7:24**
